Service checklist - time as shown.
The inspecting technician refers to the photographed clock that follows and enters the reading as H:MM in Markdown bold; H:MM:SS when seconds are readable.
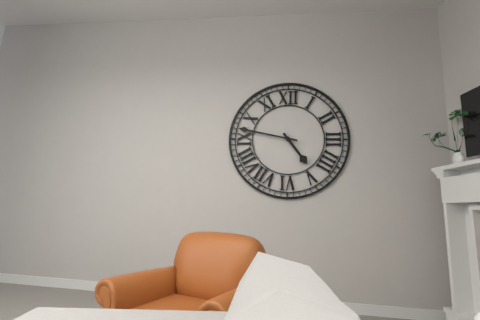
**4:47**
